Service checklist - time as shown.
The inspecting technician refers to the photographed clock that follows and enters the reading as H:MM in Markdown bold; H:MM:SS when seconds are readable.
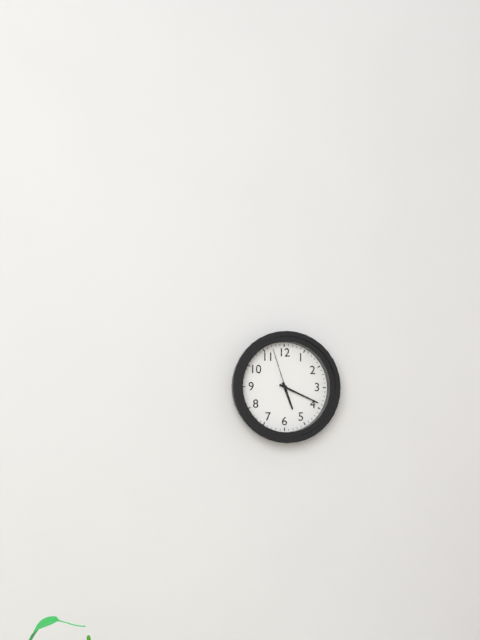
**5:19**
